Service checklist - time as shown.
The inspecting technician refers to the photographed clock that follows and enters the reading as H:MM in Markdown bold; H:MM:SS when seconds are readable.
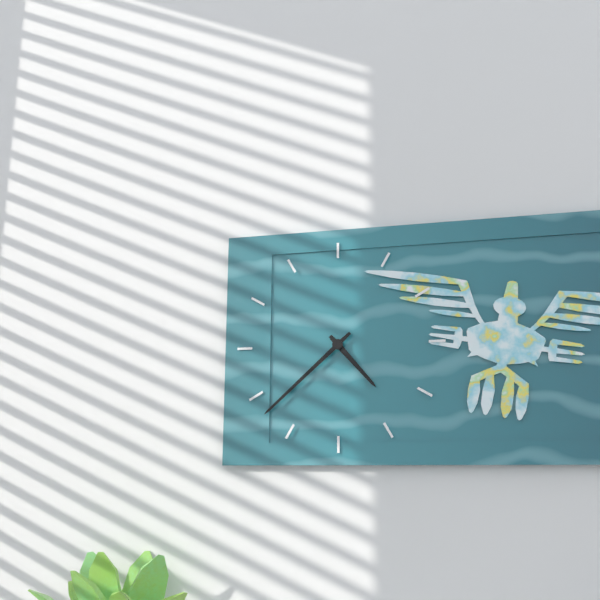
**4:38**
